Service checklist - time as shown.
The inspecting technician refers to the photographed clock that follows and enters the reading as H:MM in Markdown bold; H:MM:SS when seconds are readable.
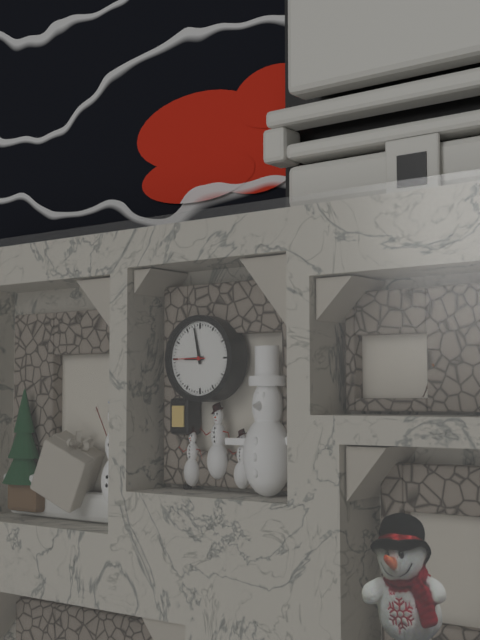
**8:58**
